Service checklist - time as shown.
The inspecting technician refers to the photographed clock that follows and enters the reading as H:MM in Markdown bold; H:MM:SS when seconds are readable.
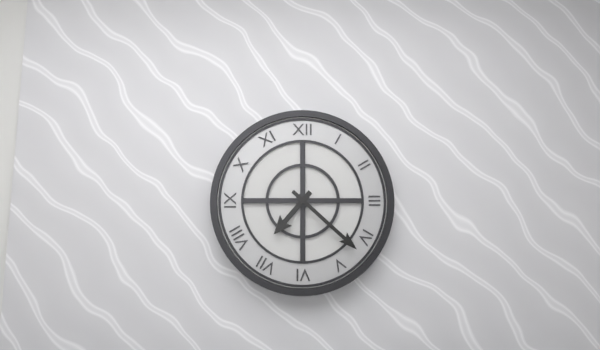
**7:22**
